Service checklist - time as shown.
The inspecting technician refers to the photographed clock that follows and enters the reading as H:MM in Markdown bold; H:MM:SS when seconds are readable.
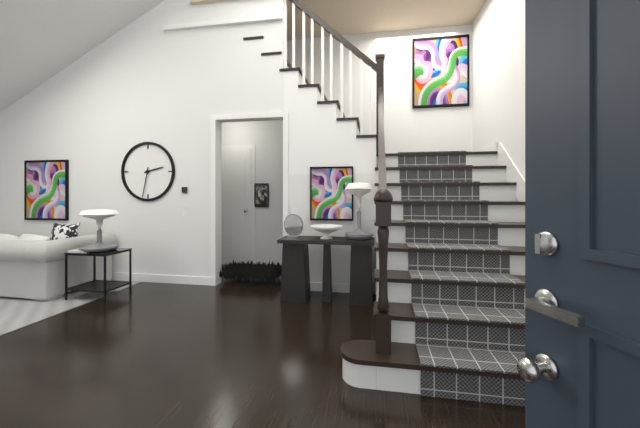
**2:32**
